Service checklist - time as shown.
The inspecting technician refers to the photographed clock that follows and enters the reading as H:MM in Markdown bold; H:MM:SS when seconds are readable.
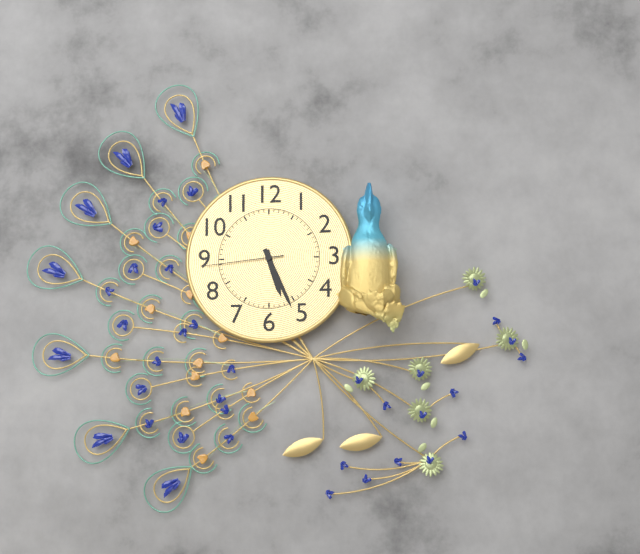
**5:26:44**
